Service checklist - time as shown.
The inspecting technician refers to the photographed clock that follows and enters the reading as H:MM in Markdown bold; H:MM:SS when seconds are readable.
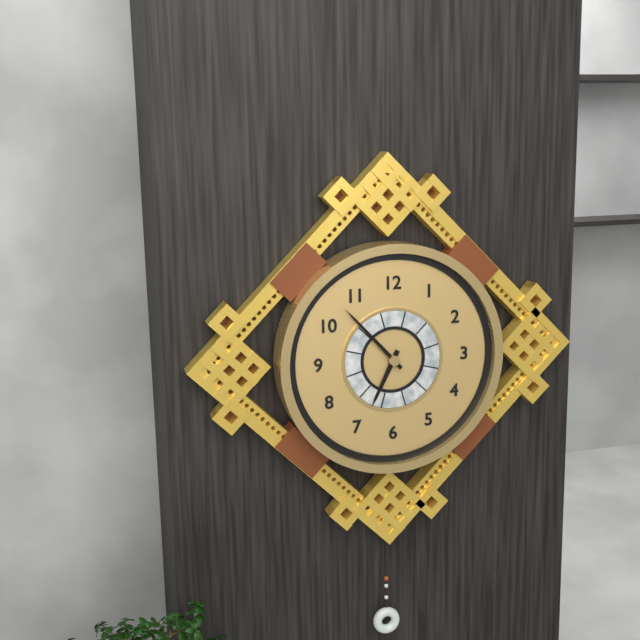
**6:53**
